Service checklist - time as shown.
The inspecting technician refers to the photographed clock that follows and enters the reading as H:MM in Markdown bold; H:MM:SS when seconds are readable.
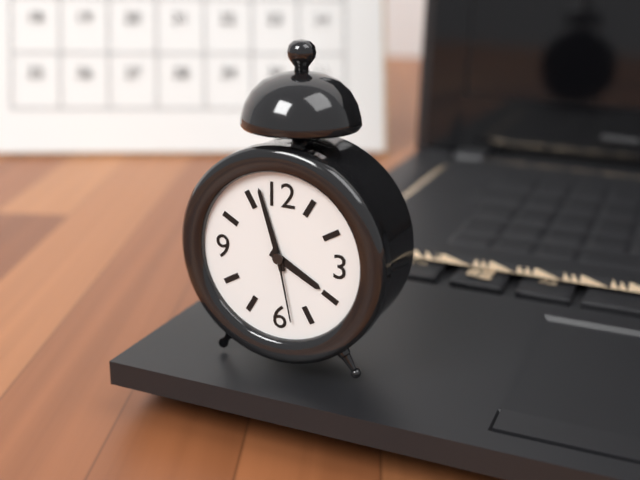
**3:57:28**
